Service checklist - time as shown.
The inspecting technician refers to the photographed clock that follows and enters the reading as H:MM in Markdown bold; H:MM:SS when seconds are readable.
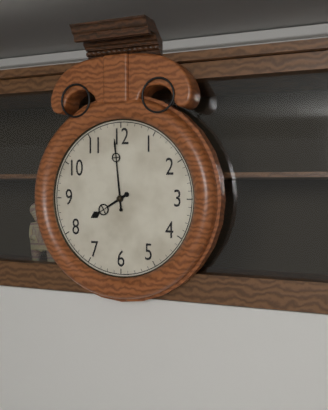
**7:59**
